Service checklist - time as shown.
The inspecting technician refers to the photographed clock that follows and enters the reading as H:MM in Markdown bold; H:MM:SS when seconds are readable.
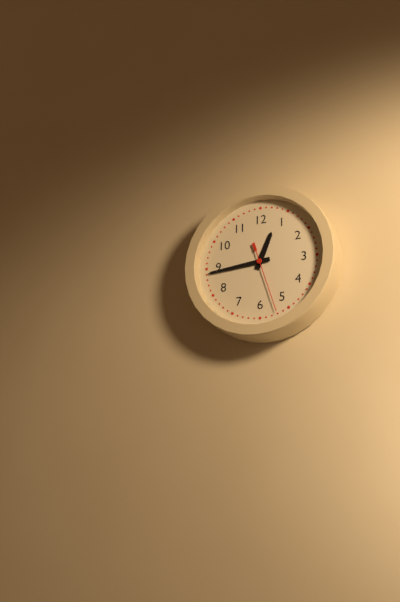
**12:44:27**
